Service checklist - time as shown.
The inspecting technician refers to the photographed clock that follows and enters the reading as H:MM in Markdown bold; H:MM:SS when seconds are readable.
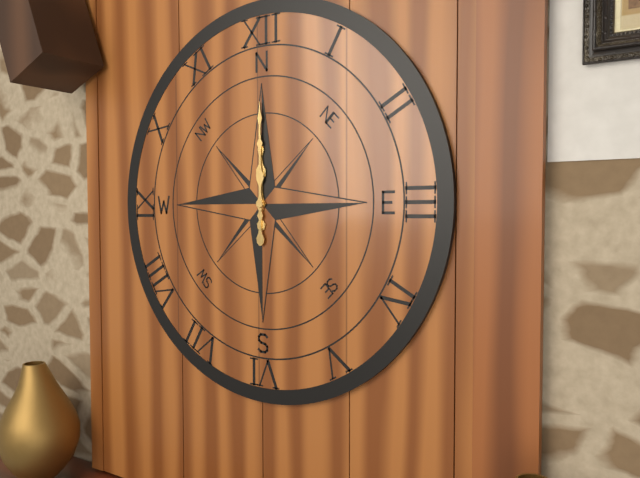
**12:00**
